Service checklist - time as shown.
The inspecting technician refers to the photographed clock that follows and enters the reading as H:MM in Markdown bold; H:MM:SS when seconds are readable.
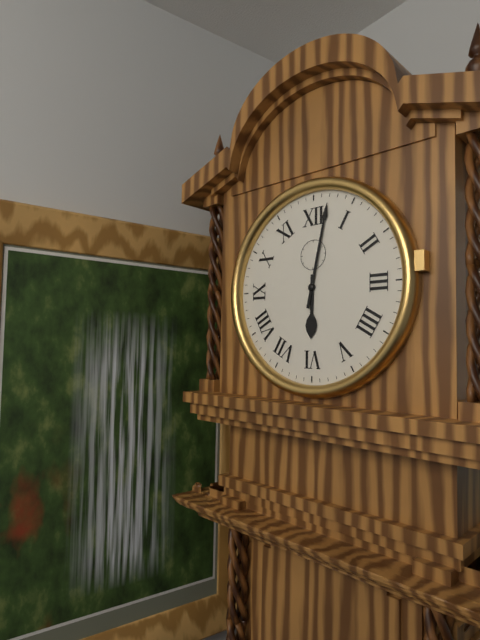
**6:02**
